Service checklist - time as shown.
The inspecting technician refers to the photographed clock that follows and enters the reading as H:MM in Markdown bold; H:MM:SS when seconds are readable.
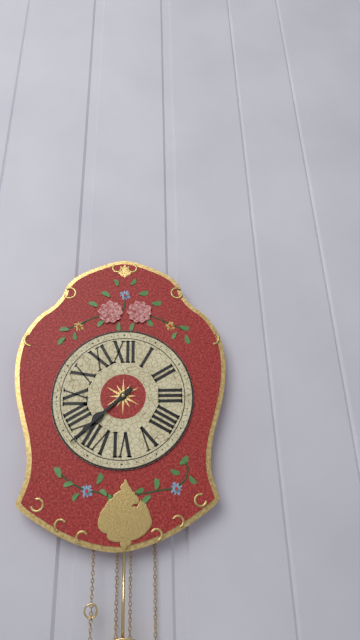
**7:38**
